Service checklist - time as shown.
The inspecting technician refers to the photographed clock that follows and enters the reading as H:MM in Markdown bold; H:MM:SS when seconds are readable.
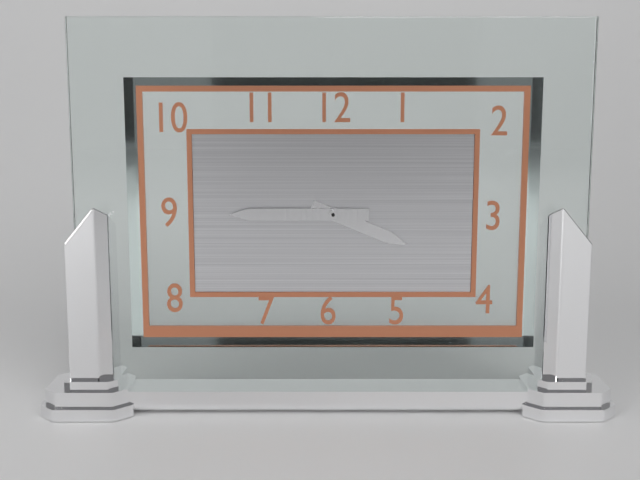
**3:45**
